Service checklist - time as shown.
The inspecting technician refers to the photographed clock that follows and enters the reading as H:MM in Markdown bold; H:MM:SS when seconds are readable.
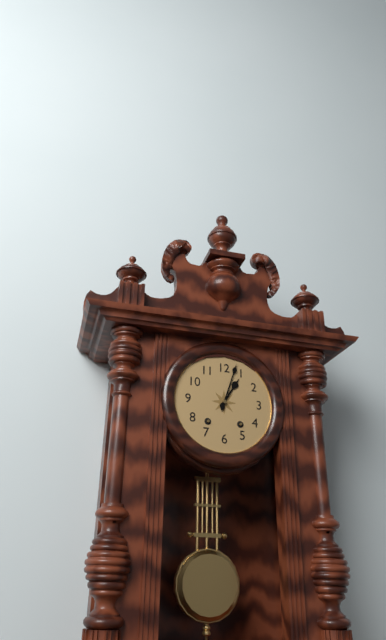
**1:03**
